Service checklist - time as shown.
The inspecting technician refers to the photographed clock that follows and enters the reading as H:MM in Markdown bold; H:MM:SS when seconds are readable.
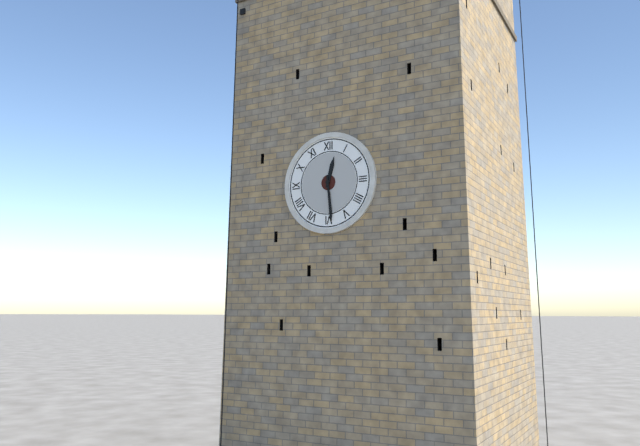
**12:29**
